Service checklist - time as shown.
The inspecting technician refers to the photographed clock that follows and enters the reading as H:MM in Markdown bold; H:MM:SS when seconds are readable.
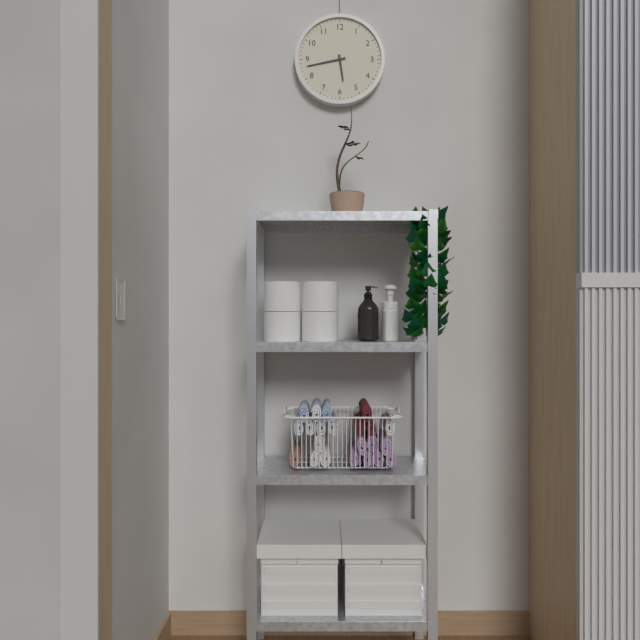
**5:43**
